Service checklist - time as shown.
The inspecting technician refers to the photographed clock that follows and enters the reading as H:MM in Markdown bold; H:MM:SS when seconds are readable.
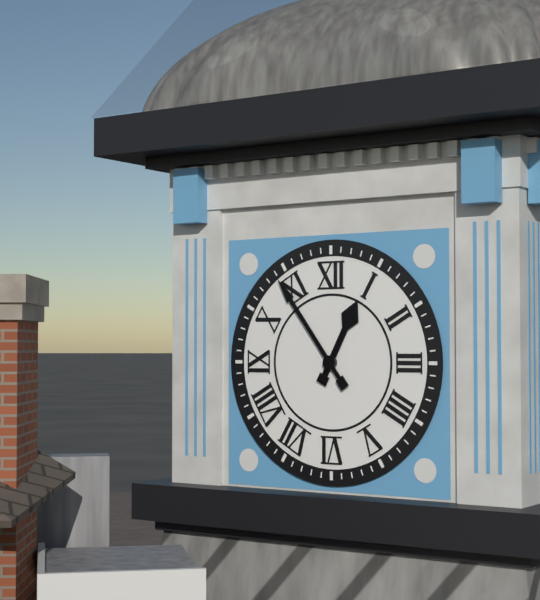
**12:54**
